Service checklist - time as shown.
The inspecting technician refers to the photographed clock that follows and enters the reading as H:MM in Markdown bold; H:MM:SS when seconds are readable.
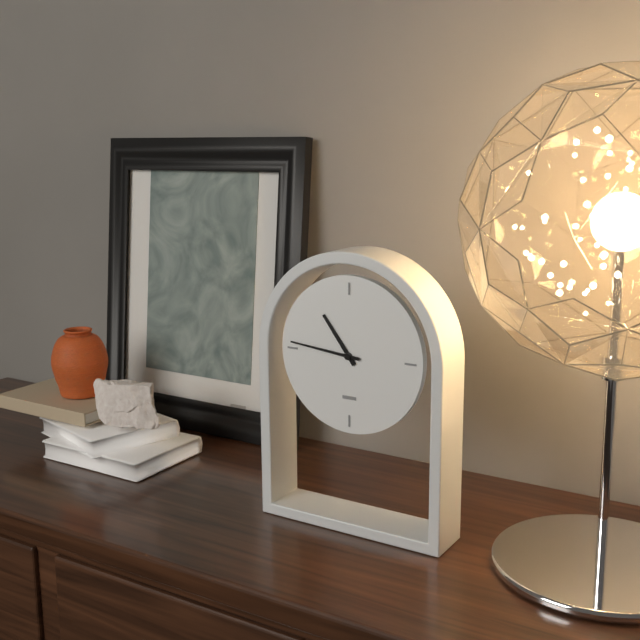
**10:46**
